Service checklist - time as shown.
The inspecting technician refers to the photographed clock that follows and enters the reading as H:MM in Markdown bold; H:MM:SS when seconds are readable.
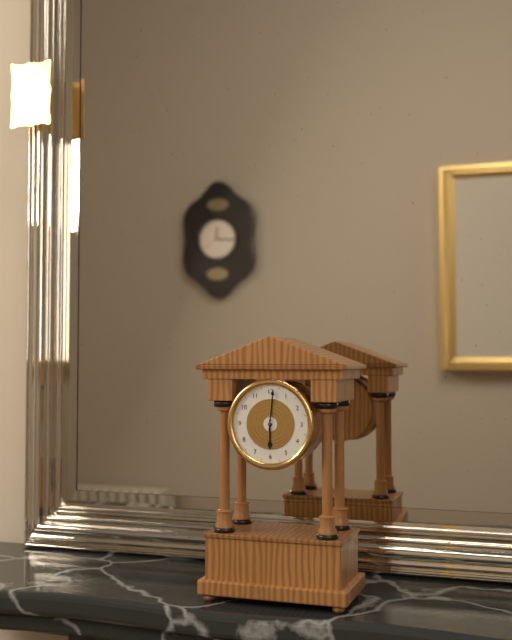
**6:01**
